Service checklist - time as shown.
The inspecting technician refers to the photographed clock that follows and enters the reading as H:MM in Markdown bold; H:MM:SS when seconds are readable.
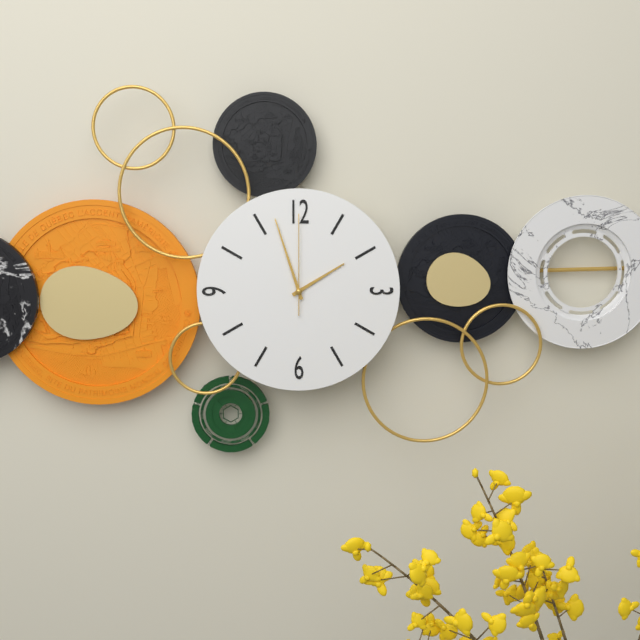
**1:57:00**
